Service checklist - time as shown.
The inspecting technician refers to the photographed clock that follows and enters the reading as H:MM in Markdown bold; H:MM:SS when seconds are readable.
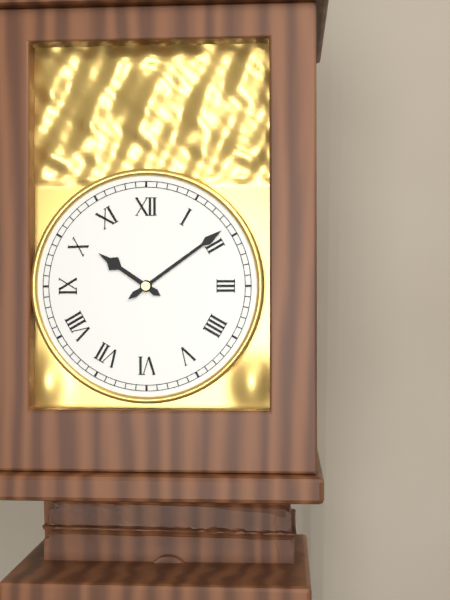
**10:09**
